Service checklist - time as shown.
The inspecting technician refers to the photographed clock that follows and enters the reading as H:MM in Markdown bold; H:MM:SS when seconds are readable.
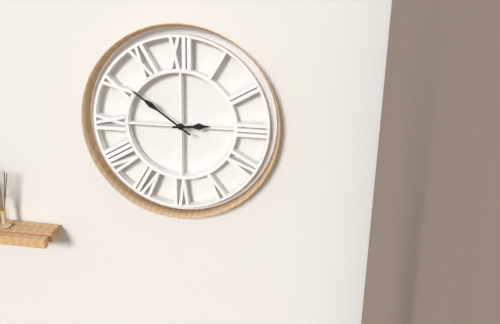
**2:51**
